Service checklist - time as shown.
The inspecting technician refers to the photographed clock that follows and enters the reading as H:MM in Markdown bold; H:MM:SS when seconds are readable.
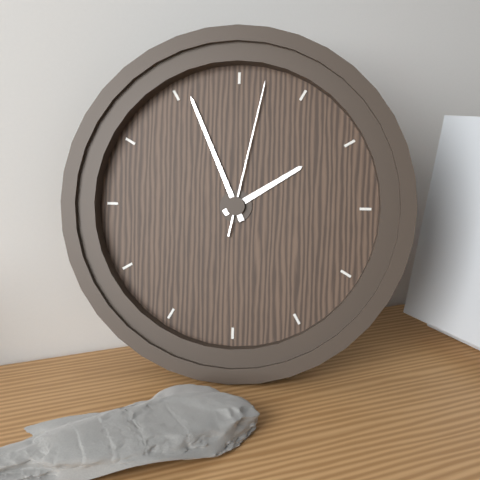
**1:56:02**
